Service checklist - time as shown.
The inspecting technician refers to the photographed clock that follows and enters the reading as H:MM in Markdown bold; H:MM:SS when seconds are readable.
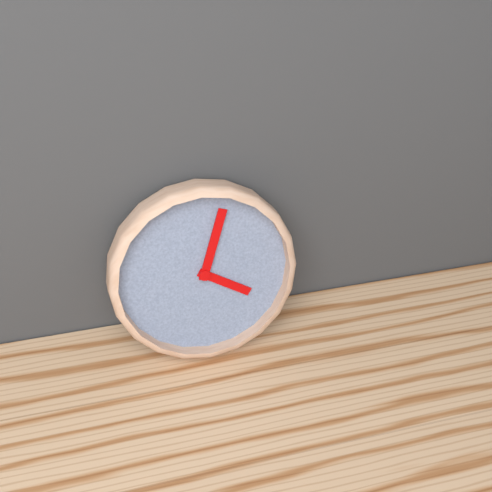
**4:03**
